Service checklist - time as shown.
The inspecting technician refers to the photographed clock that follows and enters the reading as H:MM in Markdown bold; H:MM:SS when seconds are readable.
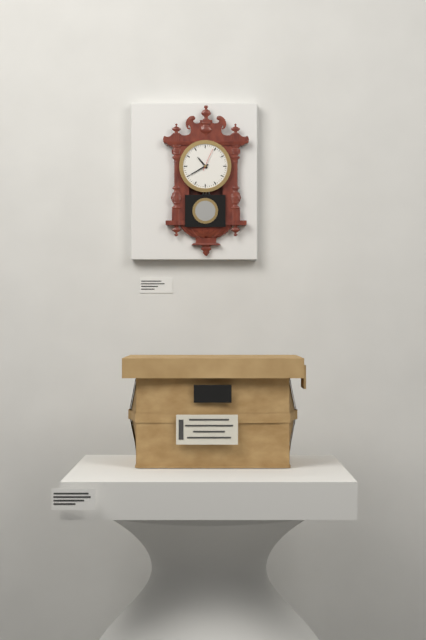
**10:40**
